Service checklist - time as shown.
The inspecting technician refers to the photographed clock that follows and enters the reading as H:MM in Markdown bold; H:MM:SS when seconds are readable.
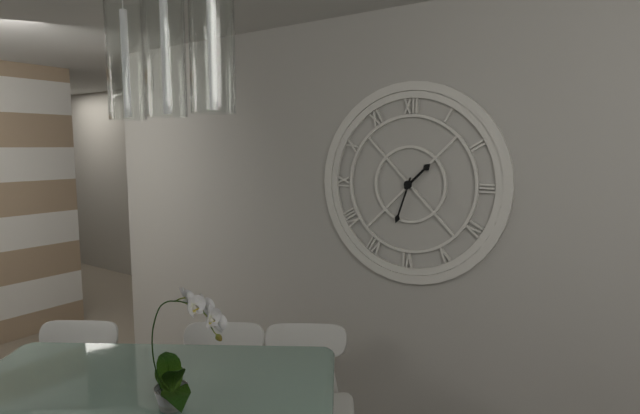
**1:33**
